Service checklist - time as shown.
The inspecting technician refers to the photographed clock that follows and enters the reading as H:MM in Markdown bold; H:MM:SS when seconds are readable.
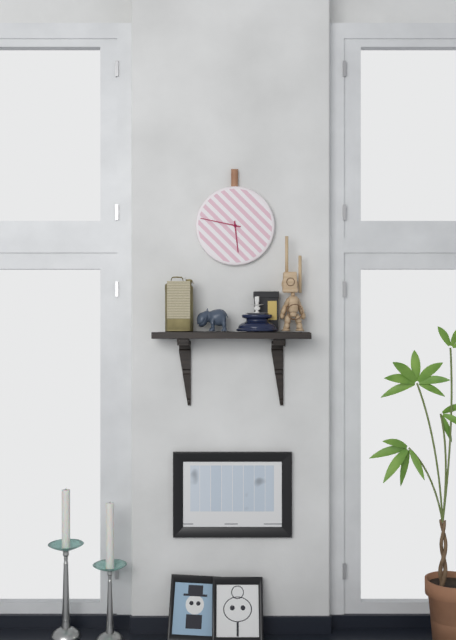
**5:47**
